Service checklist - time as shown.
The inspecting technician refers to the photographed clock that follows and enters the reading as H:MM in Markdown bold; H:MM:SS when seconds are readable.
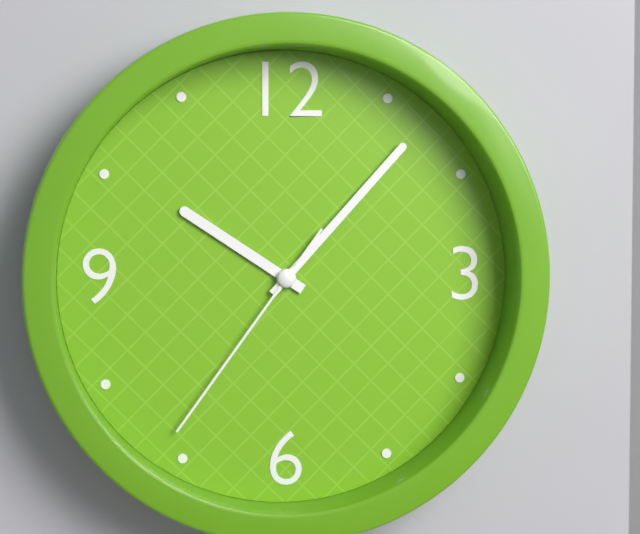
**10:07:36**
